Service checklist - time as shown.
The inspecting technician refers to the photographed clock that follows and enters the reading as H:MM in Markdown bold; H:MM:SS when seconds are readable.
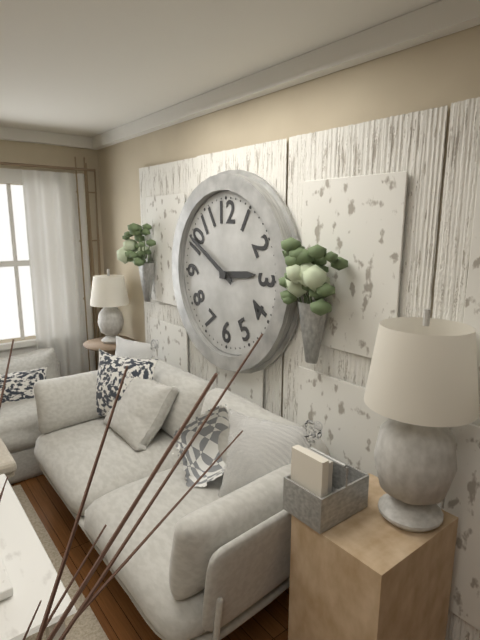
**2:50**
